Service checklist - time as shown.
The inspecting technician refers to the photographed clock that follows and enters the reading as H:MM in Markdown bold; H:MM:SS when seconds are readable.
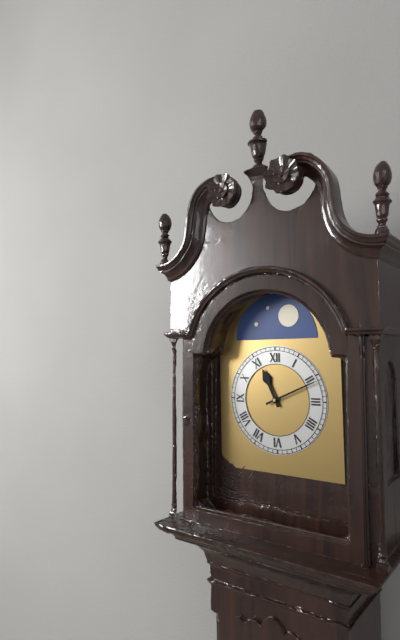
**11:11**
